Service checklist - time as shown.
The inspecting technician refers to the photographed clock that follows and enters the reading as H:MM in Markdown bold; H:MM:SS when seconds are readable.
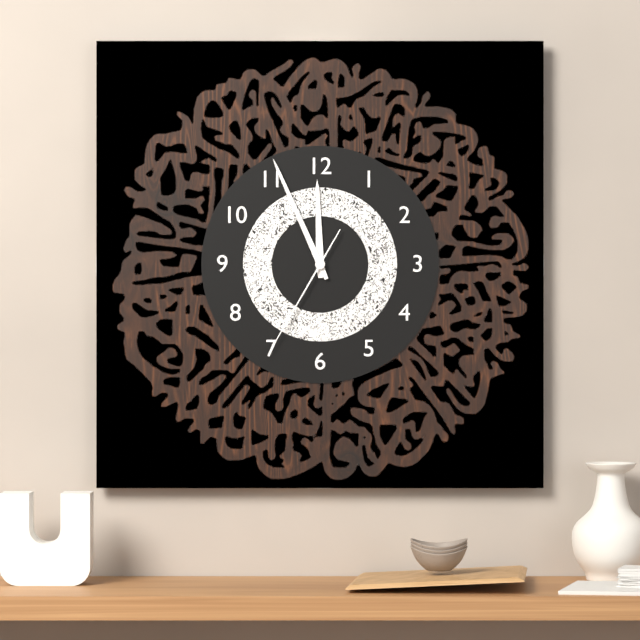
**11:56:35**
